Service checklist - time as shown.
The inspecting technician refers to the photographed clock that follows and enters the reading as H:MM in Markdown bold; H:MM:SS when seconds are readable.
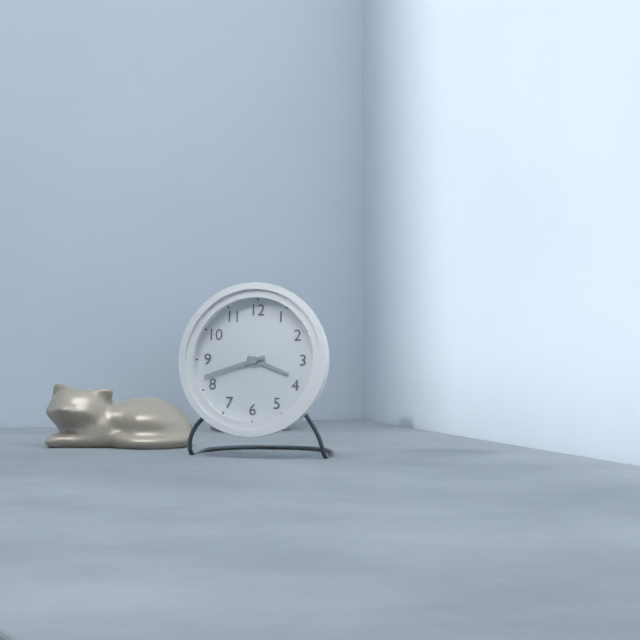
**3:42**
